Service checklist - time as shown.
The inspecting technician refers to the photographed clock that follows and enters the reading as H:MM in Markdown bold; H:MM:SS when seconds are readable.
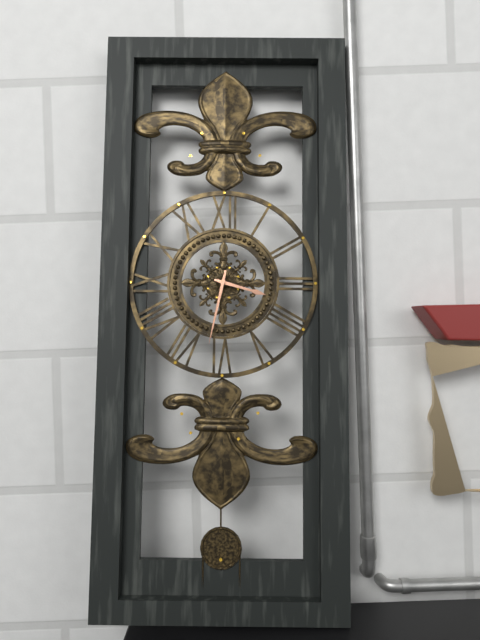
**3:32**
